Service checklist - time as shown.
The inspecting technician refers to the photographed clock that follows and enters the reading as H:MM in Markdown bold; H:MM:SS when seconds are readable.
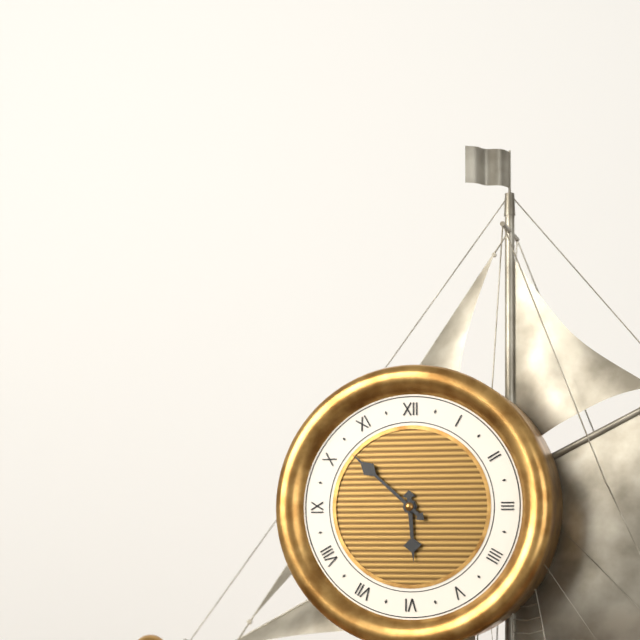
**5:52**
